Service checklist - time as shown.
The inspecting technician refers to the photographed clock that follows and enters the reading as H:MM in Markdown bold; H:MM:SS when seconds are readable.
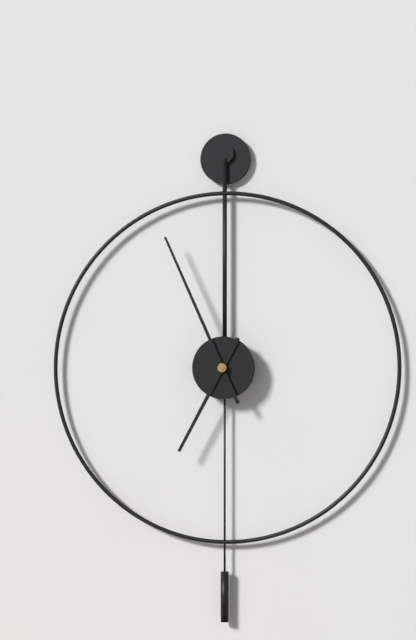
**6:56**
